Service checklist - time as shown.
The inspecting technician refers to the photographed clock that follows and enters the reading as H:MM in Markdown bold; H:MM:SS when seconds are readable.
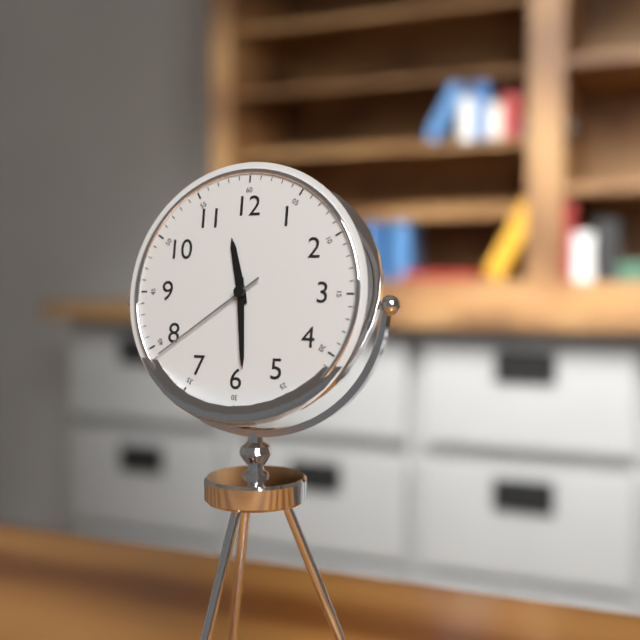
**11:29:39**
